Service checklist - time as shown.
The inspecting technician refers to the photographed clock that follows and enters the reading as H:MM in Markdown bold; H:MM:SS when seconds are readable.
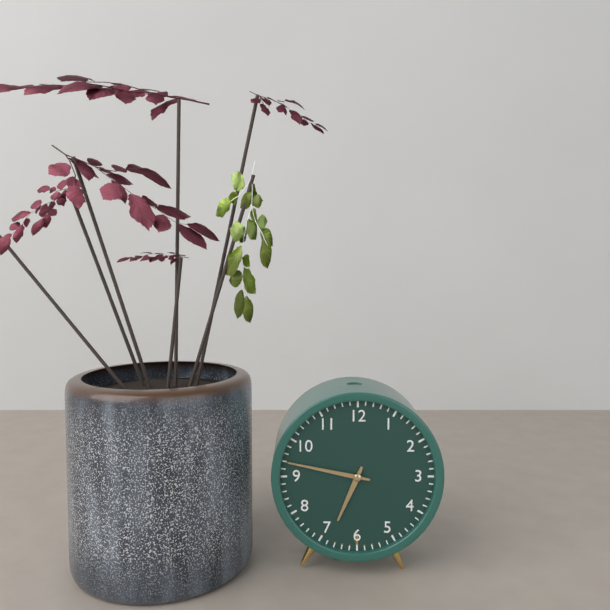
**6:47**
